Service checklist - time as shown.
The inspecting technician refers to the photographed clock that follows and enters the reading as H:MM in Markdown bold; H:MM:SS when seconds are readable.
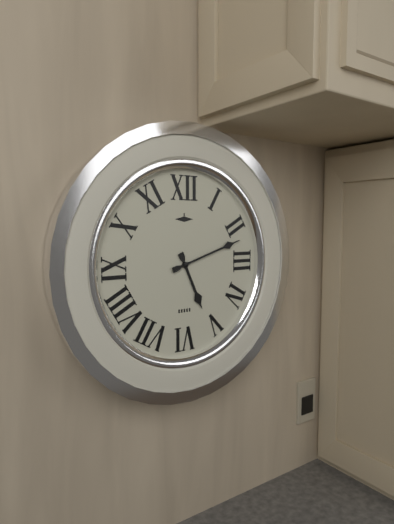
**5:12**
